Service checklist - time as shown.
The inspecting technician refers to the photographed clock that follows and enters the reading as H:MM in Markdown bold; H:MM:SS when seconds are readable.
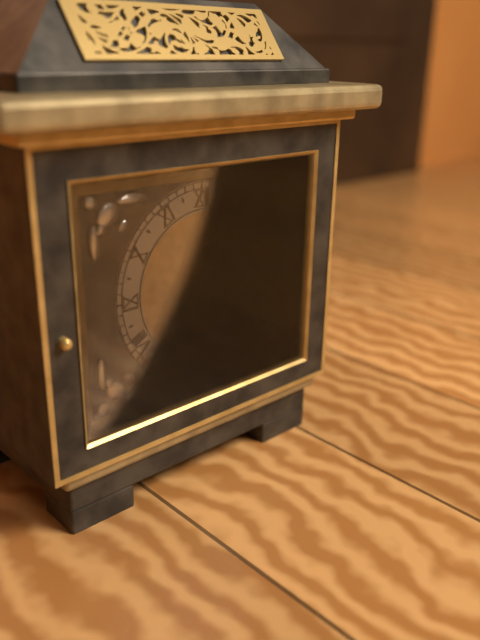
**7:31**
